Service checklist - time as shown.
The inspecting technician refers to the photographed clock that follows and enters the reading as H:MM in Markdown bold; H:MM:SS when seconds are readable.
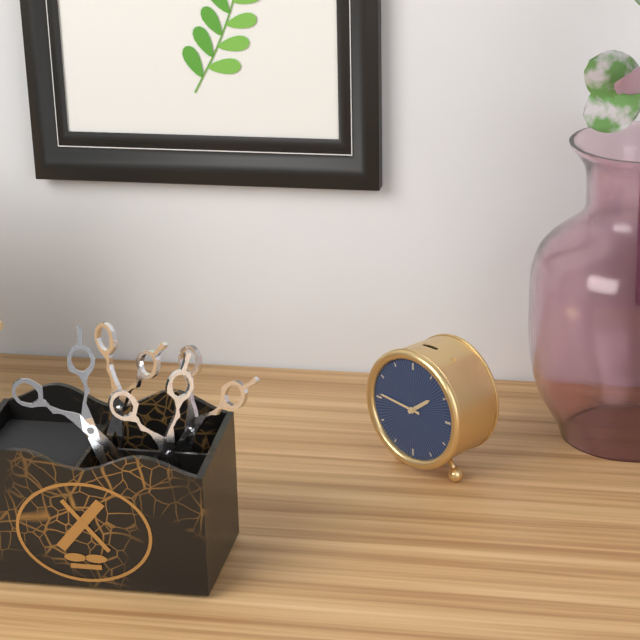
**1:46**
